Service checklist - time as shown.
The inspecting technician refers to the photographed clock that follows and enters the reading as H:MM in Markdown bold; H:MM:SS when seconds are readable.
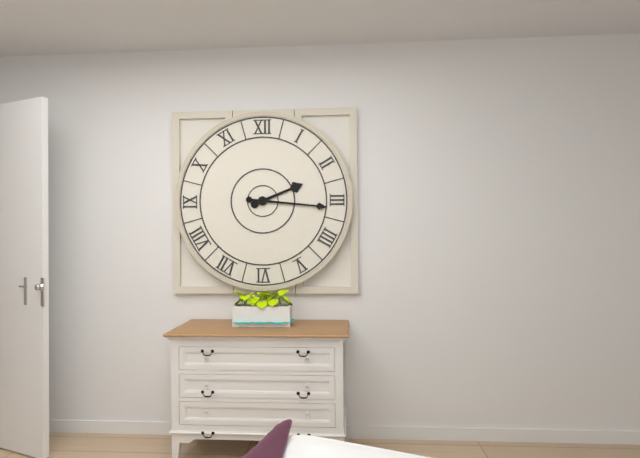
**2:16**
